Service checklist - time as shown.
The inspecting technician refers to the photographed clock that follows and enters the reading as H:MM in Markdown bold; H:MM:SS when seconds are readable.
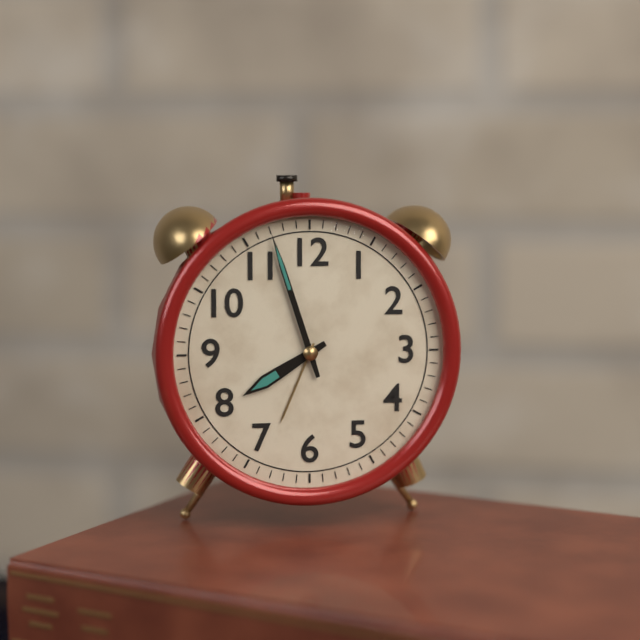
**7:57**
